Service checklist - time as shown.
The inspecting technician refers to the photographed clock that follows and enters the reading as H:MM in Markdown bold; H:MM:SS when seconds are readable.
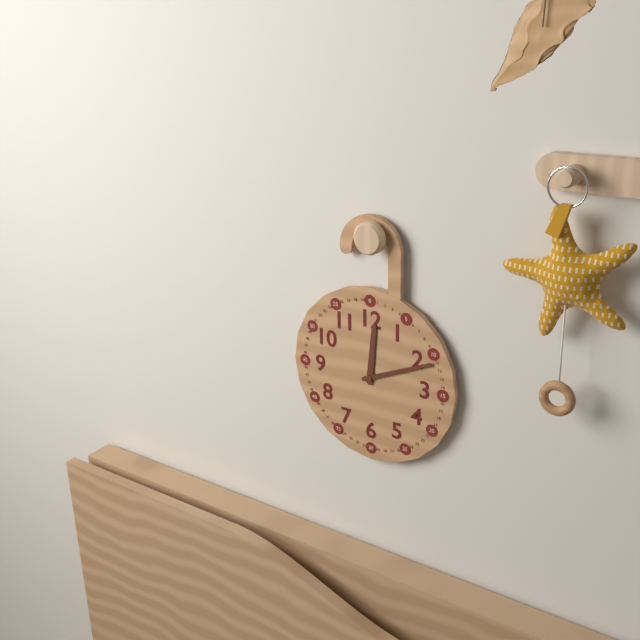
**12:11**
